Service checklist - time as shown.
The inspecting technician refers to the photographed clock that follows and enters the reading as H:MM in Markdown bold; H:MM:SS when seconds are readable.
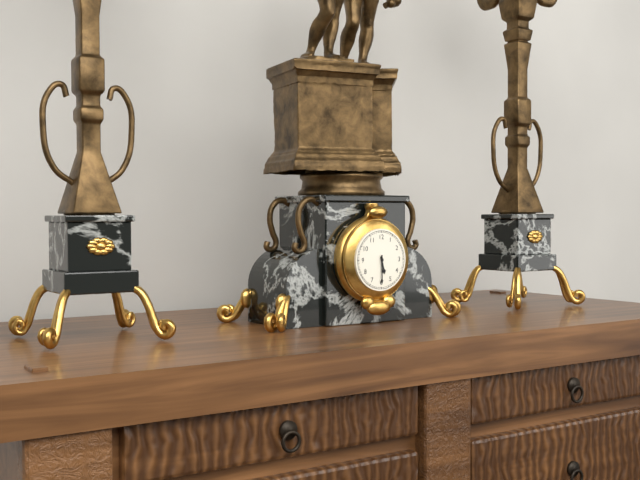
**5:30**
